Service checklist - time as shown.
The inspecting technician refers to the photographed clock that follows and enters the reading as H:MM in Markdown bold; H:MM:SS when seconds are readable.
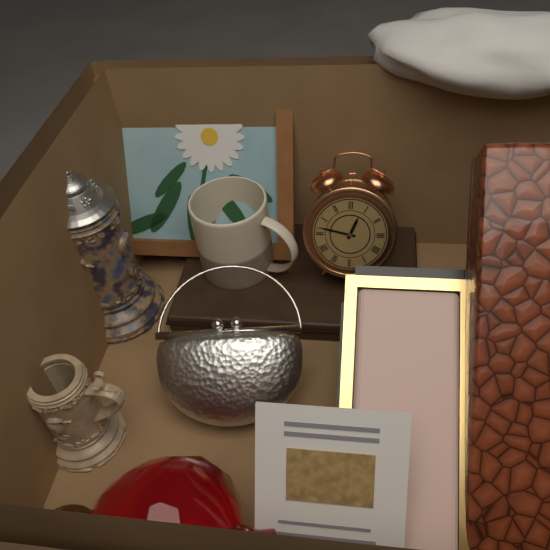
**12:47**
